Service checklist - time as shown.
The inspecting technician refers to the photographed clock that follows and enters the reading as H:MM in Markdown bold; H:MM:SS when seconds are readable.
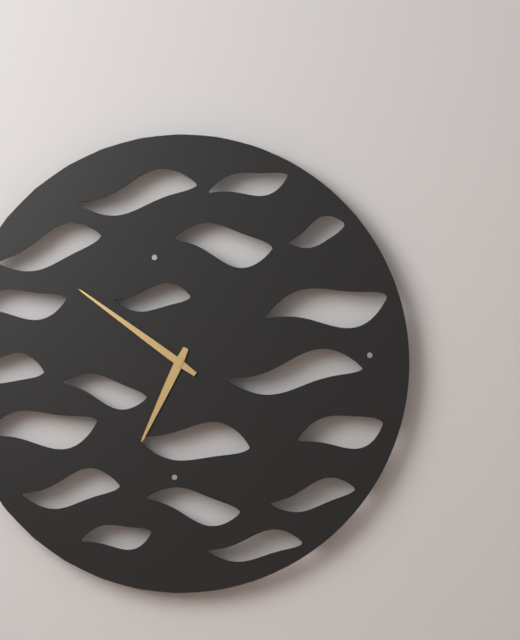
**6:51**
